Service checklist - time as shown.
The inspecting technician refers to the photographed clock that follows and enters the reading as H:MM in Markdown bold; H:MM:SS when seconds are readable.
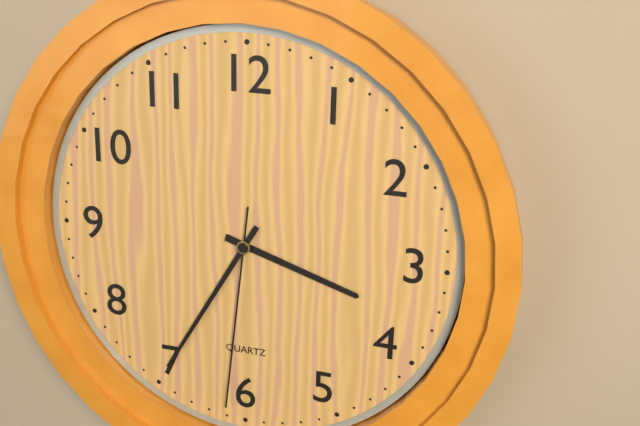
**3:35:31**
